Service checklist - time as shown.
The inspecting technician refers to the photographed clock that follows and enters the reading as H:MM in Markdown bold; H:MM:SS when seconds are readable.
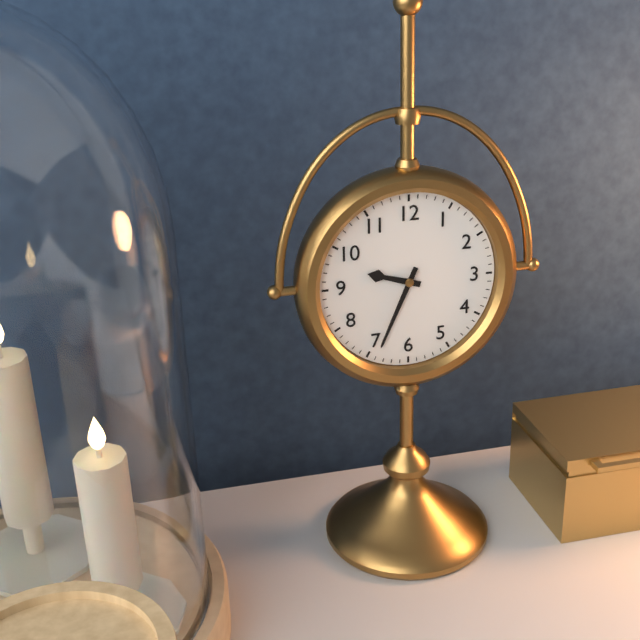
**9:34**
